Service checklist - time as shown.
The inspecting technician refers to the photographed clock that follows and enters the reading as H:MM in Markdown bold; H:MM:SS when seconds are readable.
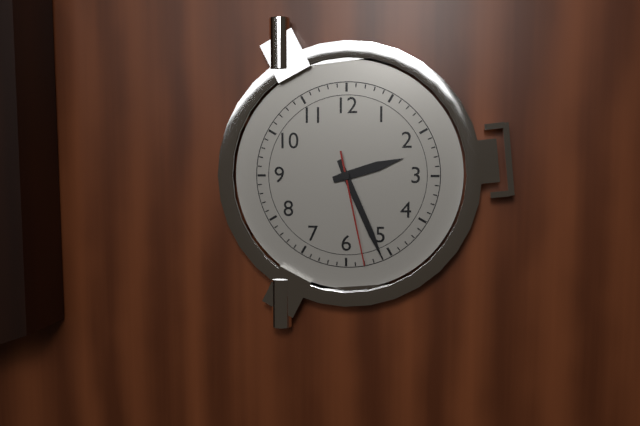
**2:26:28**
